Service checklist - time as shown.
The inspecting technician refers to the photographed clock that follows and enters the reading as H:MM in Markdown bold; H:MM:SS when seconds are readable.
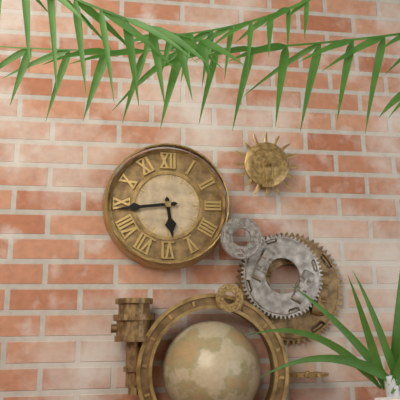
**5:44**
